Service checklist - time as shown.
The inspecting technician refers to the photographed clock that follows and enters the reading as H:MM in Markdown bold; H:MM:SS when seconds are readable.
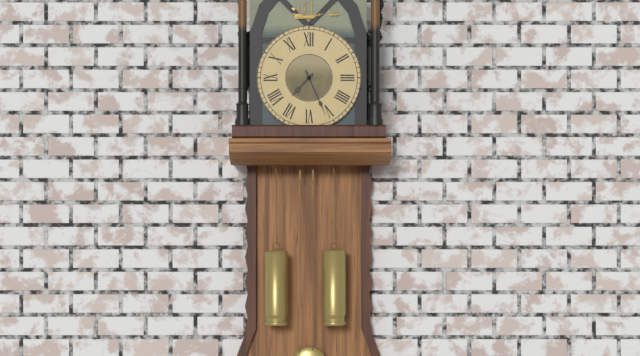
**7:26**
